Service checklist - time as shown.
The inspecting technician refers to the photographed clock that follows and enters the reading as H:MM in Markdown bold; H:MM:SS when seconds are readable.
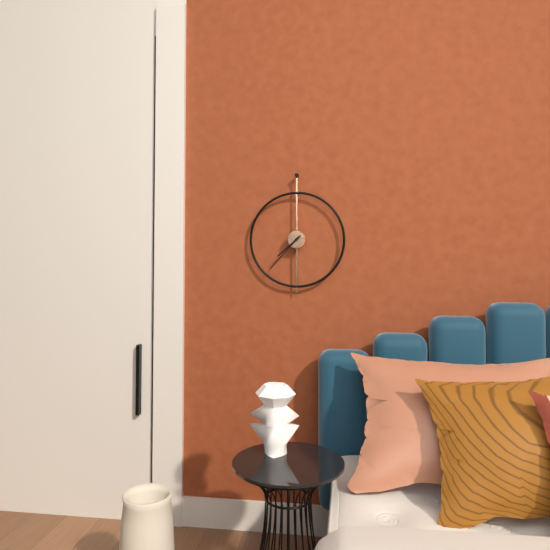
**7:37**
